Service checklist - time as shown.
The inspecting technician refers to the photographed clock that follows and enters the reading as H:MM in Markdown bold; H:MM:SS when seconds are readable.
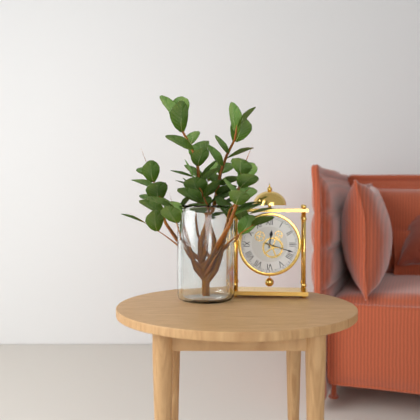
**12:18**
